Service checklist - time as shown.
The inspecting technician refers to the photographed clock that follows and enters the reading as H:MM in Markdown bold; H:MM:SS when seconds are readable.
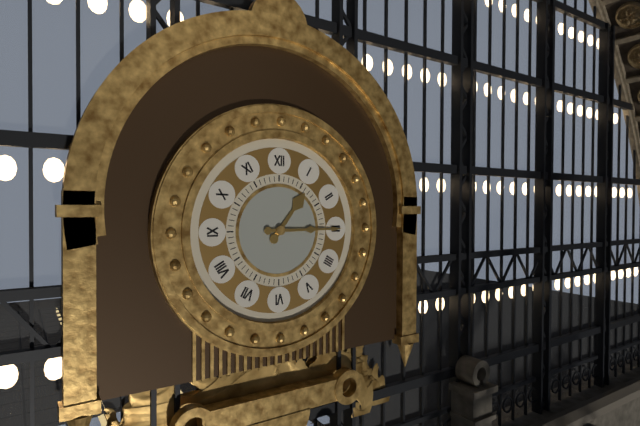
**1:15**
